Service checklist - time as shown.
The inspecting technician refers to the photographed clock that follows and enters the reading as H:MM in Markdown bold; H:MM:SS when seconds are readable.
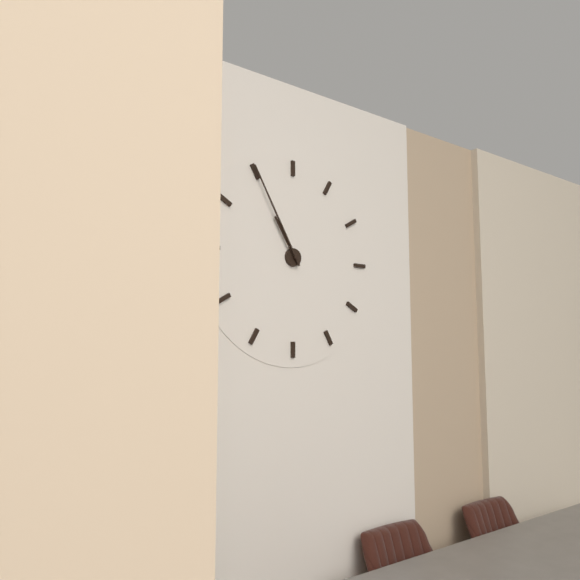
**10:55**
